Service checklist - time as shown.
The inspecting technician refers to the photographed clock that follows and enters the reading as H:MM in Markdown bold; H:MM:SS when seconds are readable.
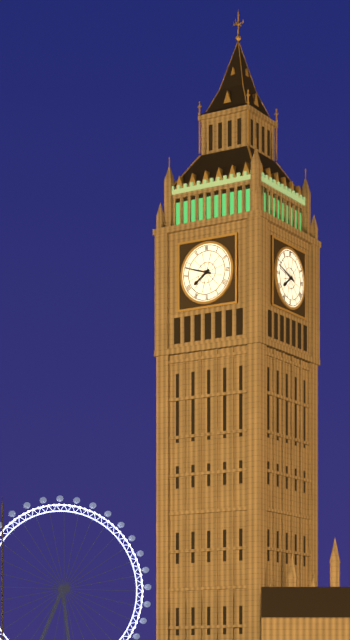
**7:48**
